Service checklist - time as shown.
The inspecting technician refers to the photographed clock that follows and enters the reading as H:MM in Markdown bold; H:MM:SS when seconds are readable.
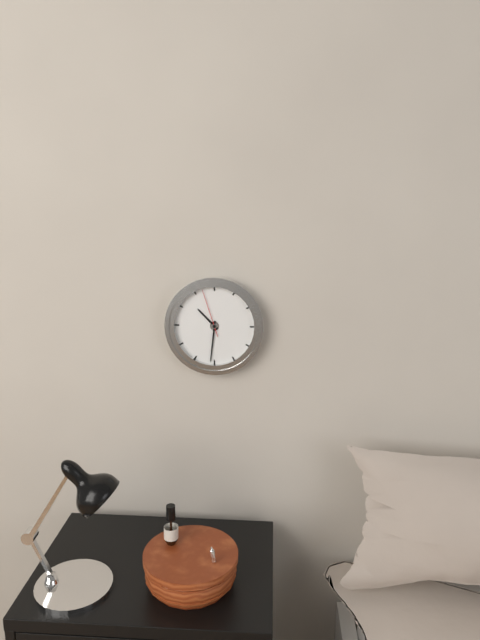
**10:31**
